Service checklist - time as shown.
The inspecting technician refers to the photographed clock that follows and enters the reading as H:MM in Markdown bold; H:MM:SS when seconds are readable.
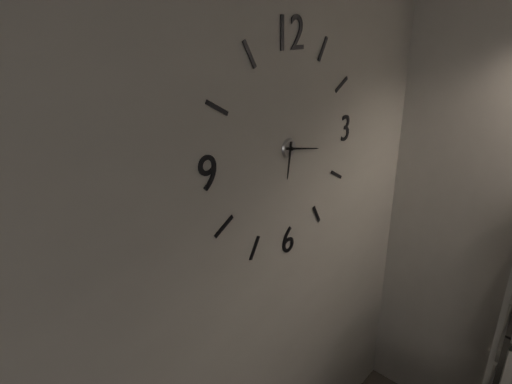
**6:17**
